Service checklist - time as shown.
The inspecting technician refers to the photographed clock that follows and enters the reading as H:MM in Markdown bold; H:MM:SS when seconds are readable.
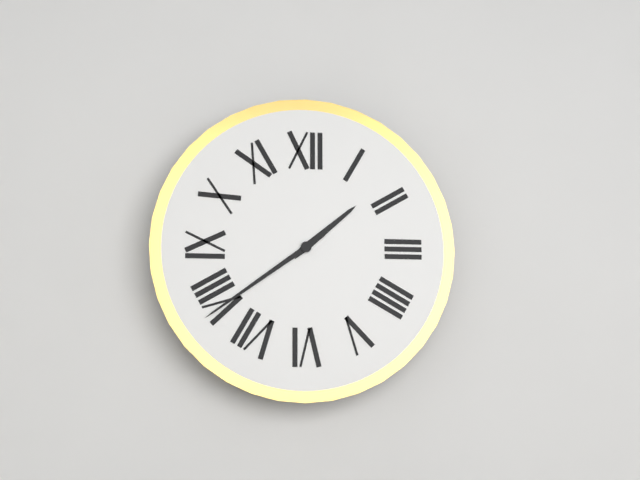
**1:39**
